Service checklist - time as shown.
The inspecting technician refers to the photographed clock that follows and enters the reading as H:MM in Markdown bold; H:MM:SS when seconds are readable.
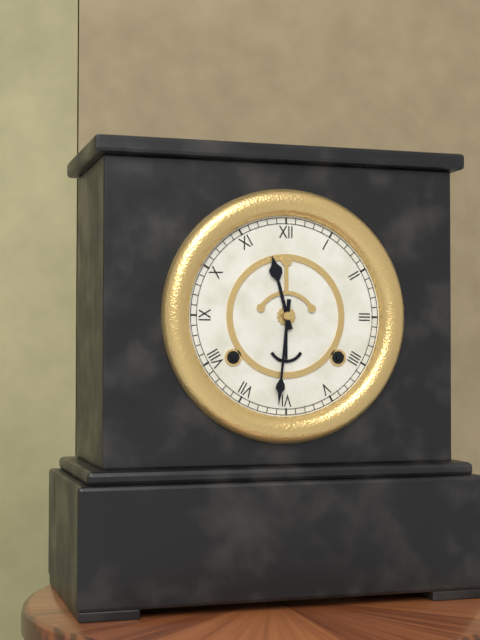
**11:31**
